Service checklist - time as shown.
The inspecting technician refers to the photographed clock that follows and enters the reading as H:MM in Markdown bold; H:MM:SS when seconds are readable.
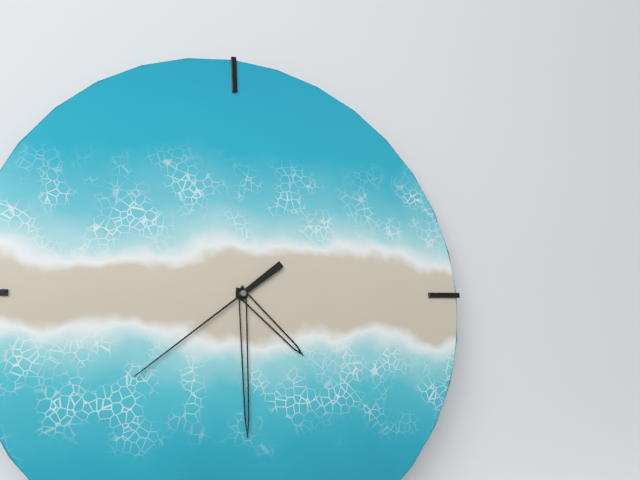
**4:30:39**
